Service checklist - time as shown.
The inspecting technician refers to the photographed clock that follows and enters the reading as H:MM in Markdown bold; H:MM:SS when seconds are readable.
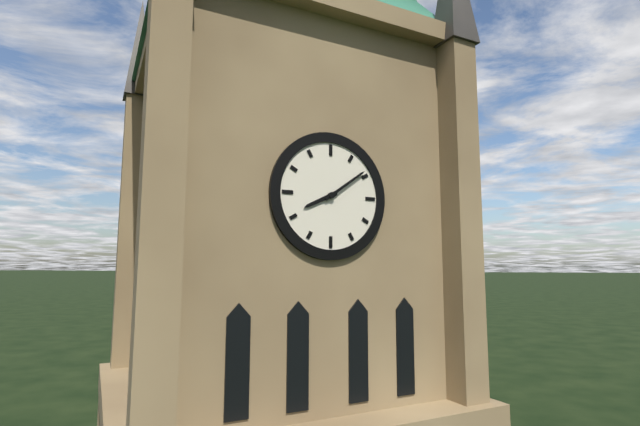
**8:09**
